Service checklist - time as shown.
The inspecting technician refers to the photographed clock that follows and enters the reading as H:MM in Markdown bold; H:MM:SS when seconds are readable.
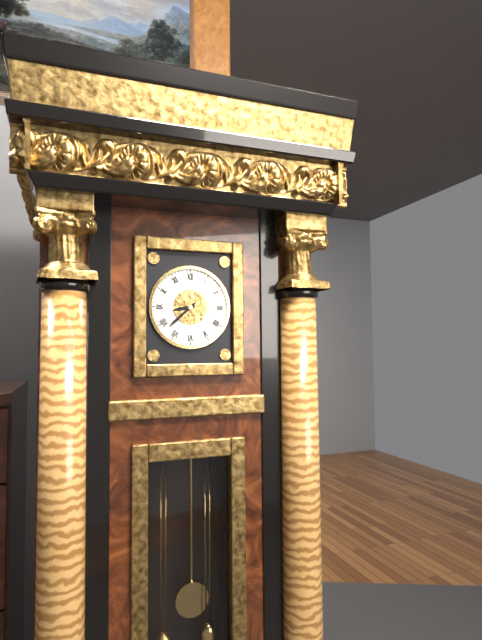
**8:38**
